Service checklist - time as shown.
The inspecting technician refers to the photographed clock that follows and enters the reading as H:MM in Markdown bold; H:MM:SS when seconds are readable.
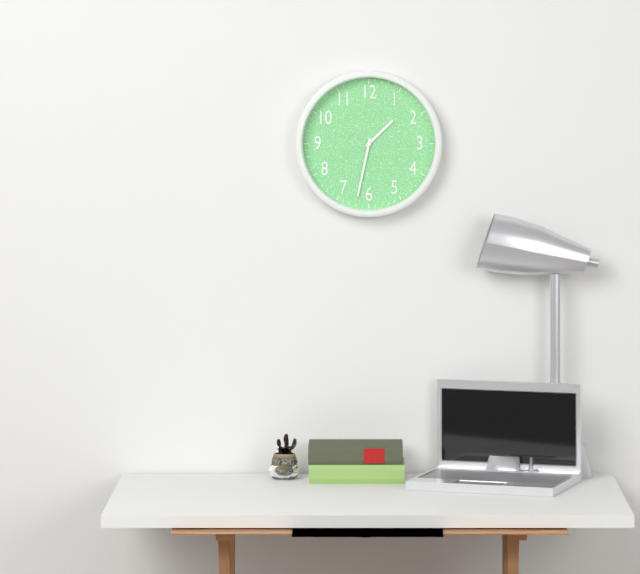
**1:32**
